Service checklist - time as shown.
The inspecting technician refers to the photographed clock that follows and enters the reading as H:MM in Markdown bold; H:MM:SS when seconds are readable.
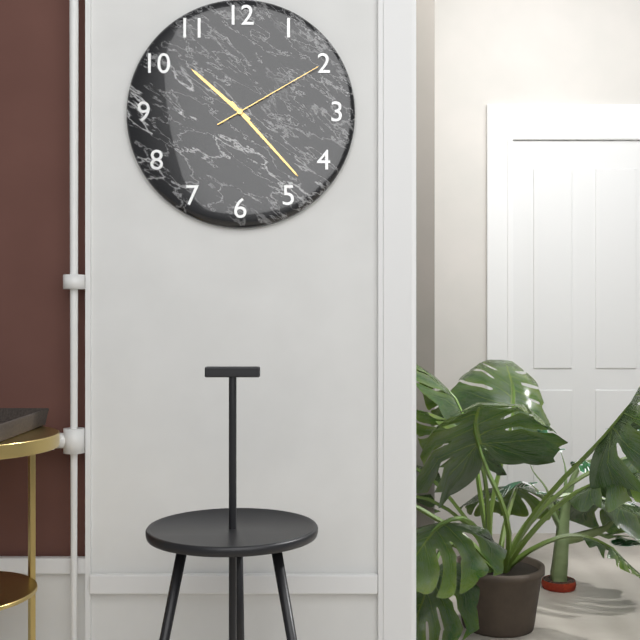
**10:23:10**
